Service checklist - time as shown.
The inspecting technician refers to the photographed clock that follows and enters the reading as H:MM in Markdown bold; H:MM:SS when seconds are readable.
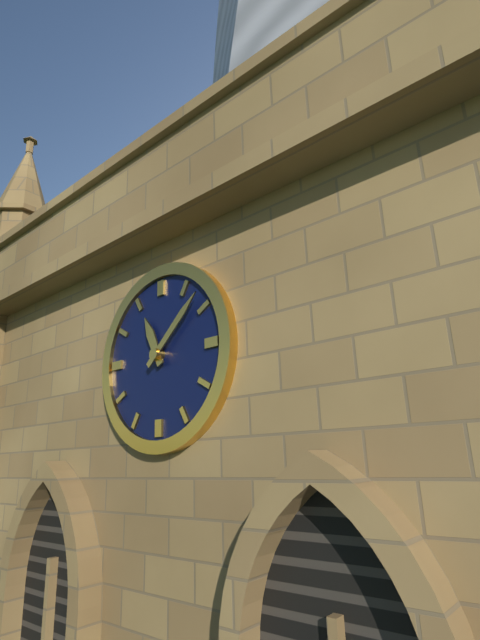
**11:08**
